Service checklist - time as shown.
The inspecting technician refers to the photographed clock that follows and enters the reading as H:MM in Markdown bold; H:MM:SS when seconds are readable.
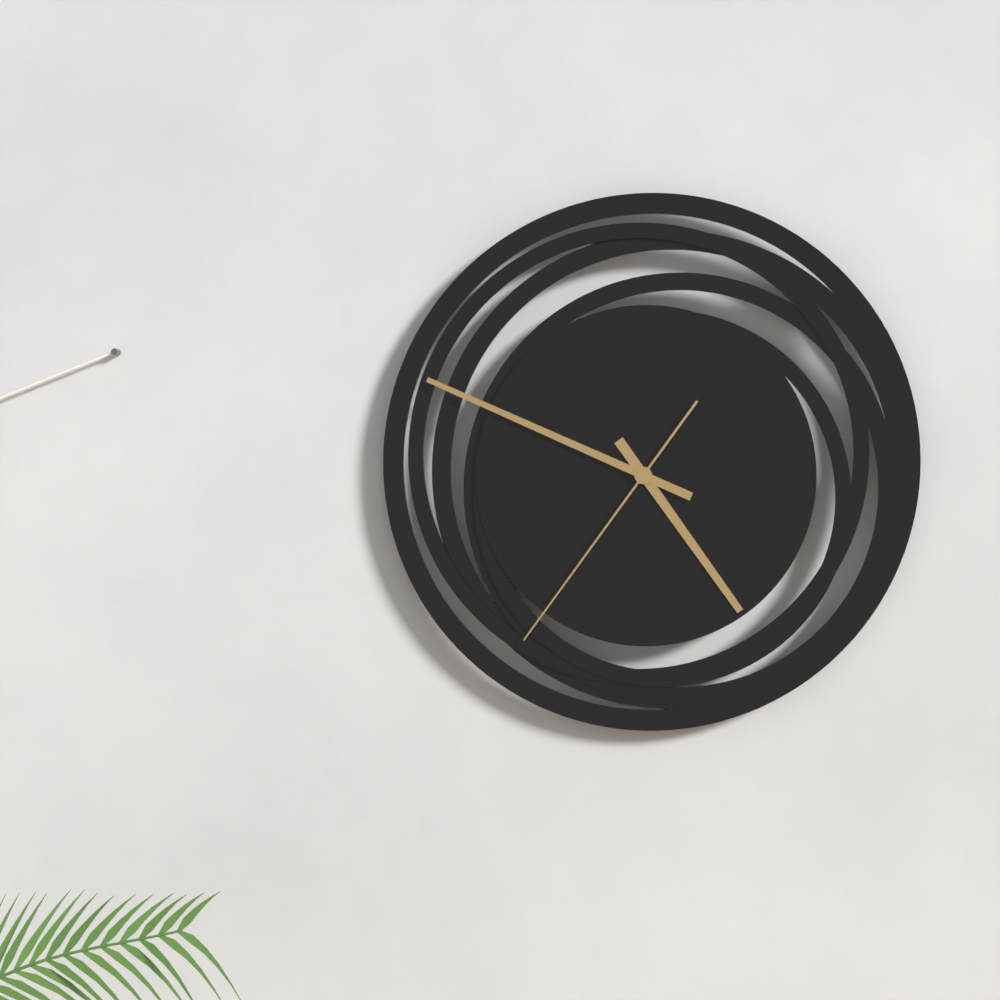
**4:49:36**
